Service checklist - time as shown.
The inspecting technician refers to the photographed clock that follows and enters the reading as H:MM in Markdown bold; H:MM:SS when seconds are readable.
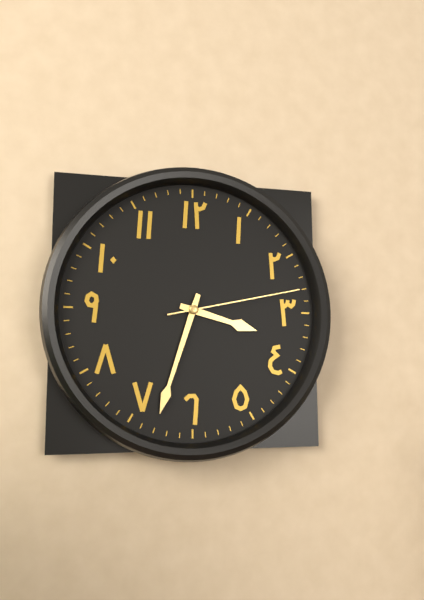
**3:33:13**
